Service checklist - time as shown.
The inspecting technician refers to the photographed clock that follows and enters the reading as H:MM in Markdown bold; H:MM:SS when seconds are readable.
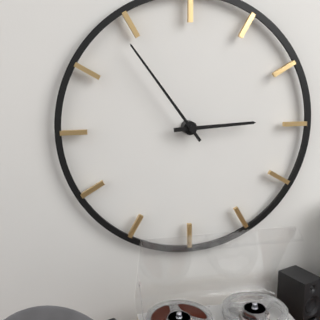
**2:54**
